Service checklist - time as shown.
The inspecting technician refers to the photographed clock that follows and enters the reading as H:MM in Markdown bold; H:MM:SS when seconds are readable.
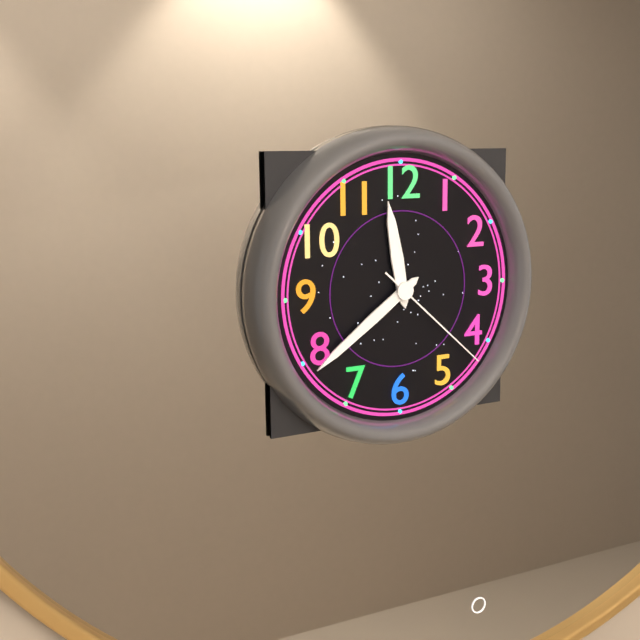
**11:39:22**
